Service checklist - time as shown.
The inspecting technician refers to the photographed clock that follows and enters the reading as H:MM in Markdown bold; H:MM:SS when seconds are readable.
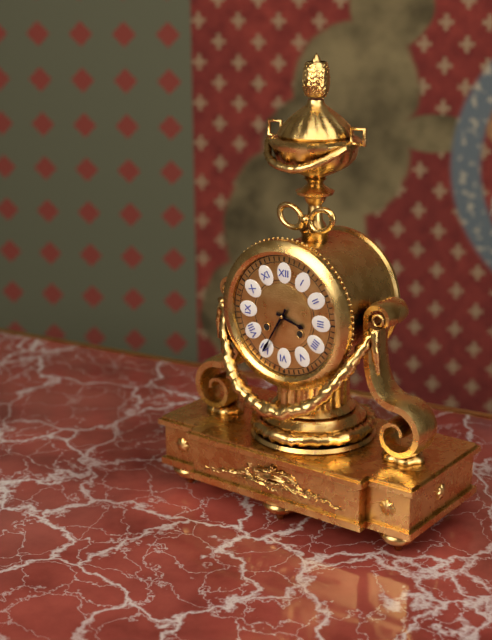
**3:35**
